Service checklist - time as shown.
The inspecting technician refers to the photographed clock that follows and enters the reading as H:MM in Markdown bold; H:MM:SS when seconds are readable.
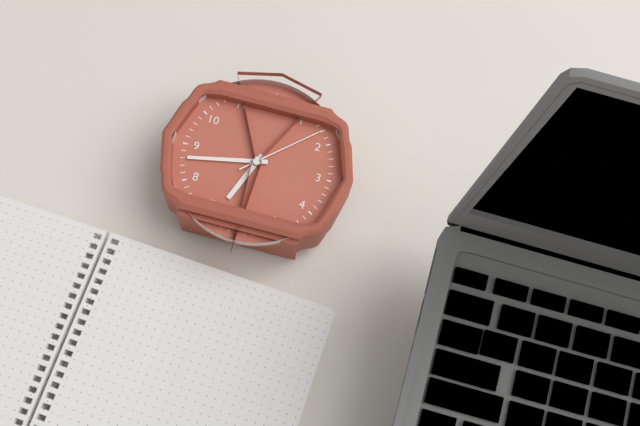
**6:43:08**
